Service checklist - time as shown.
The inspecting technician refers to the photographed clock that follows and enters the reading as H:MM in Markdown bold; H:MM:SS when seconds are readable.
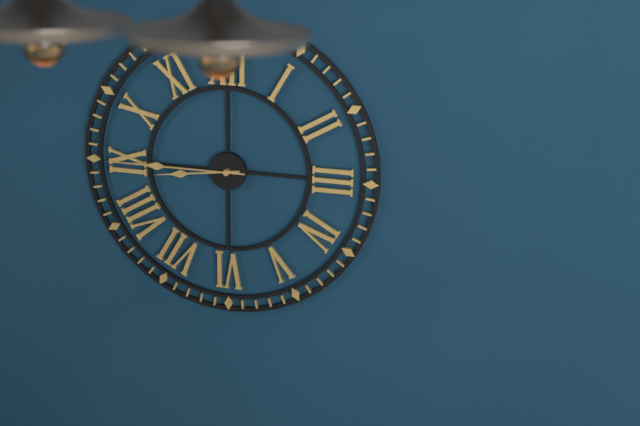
**8:45**
